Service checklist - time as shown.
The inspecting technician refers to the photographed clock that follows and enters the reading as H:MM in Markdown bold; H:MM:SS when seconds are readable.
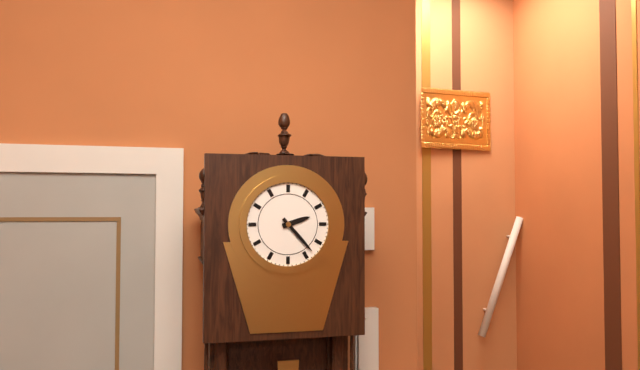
**2:23**
